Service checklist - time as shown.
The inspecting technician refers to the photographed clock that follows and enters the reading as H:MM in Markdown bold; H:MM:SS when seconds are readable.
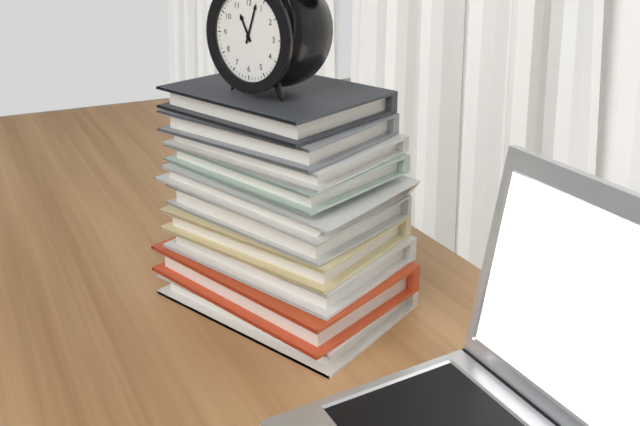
**11:03**
